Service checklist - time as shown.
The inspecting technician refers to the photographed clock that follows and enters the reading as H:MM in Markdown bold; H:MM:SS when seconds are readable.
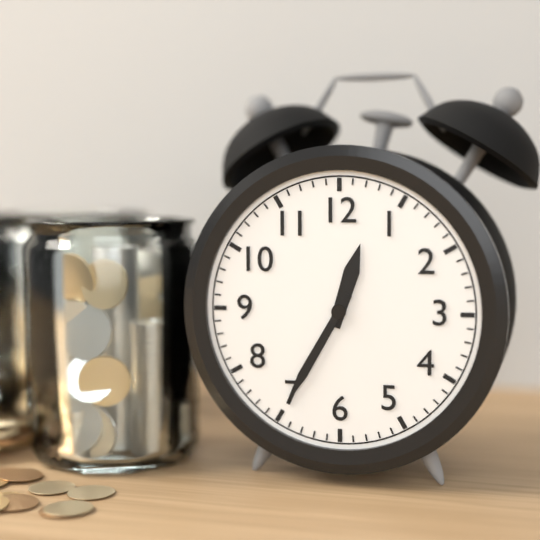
**12:35**
